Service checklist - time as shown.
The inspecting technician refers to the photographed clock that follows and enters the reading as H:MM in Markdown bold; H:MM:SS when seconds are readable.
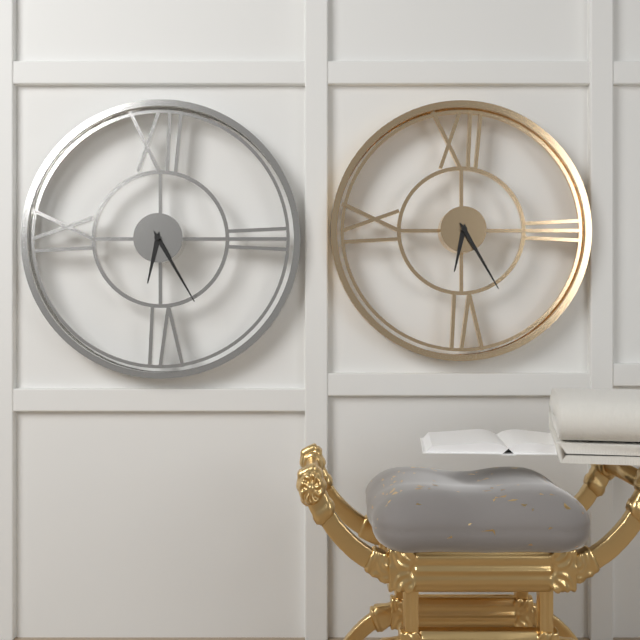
**6:25**
